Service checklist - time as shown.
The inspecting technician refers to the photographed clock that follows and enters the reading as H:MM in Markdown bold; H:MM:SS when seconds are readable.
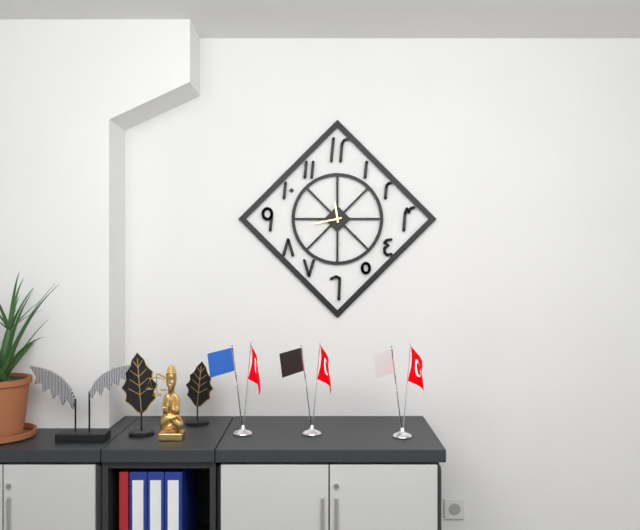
**11:43**
